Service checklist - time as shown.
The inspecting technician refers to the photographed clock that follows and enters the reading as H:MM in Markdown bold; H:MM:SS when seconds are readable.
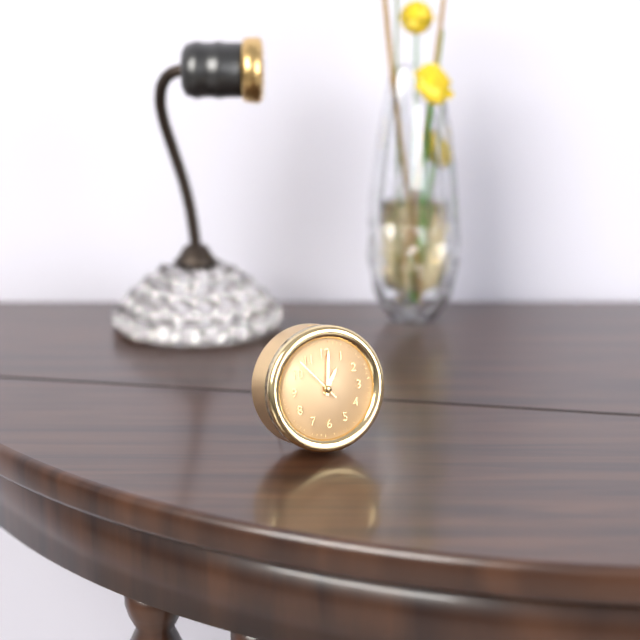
**1:01**
